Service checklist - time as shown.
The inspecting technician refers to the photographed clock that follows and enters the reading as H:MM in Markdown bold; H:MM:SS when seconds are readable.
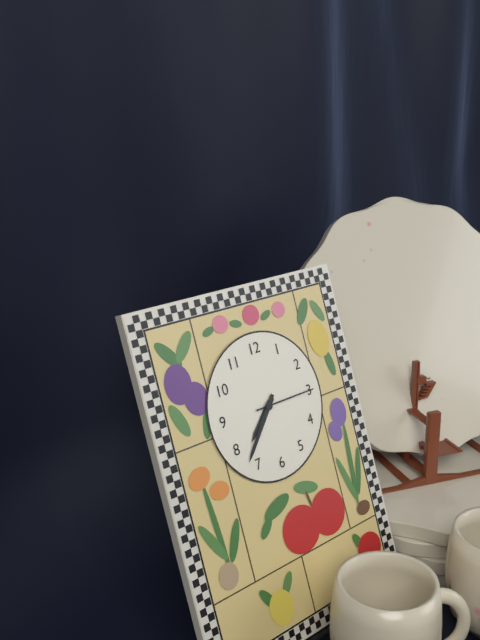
**7:37:15**
